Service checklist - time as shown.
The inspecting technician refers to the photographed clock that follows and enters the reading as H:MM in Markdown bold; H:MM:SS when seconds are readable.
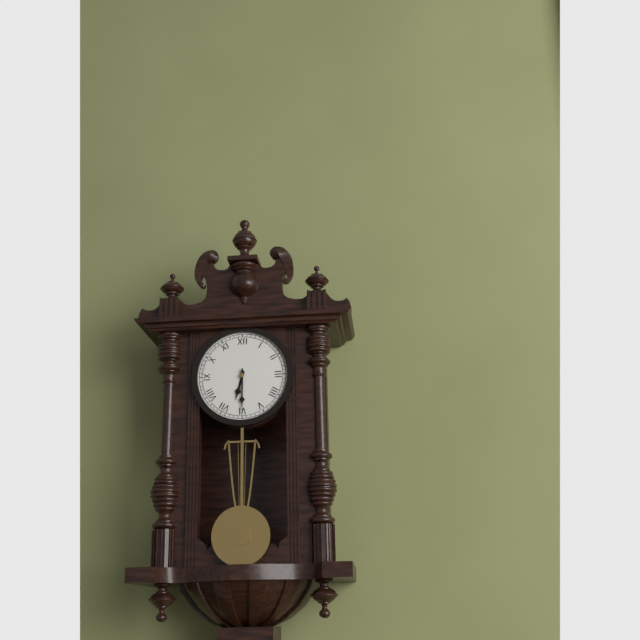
**6:30**
